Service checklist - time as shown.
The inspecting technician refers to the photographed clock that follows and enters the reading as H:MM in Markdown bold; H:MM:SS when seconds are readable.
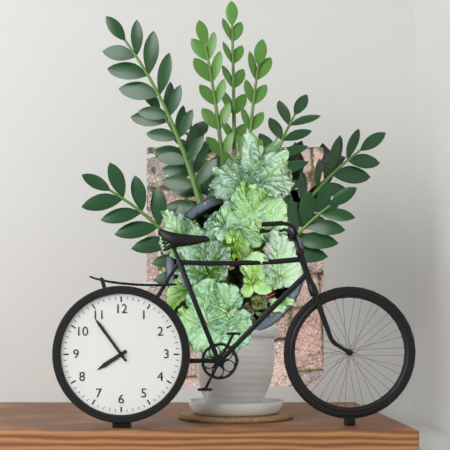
**7:54**
